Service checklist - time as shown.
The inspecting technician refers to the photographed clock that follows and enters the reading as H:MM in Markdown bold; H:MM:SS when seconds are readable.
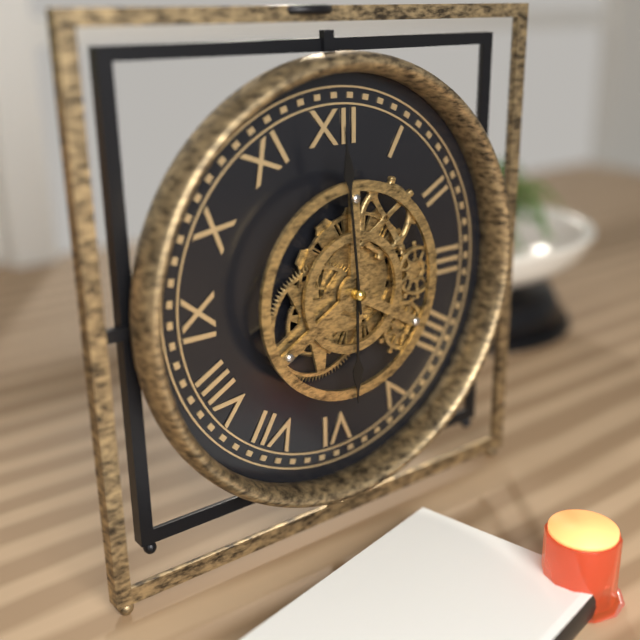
**5:59**
